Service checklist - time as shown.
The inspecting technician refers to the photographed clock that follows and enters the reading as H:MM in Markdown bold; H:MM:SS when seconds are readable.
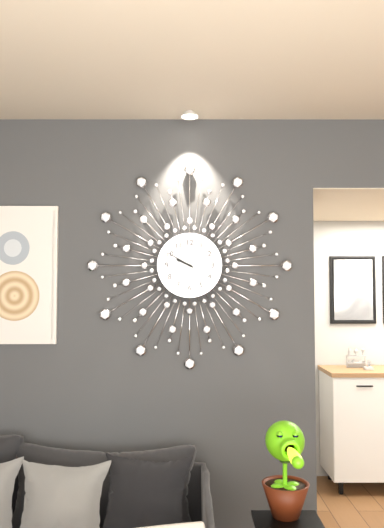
**9:50**
